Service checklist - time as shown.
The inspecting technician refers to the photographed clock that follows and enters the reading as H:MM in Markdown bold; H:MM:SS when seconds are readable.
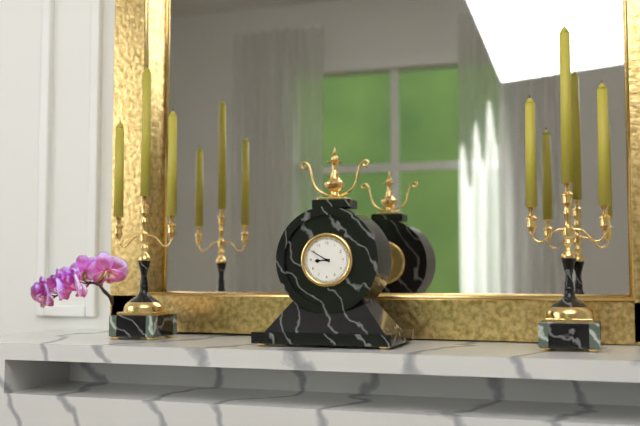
**8:50**
